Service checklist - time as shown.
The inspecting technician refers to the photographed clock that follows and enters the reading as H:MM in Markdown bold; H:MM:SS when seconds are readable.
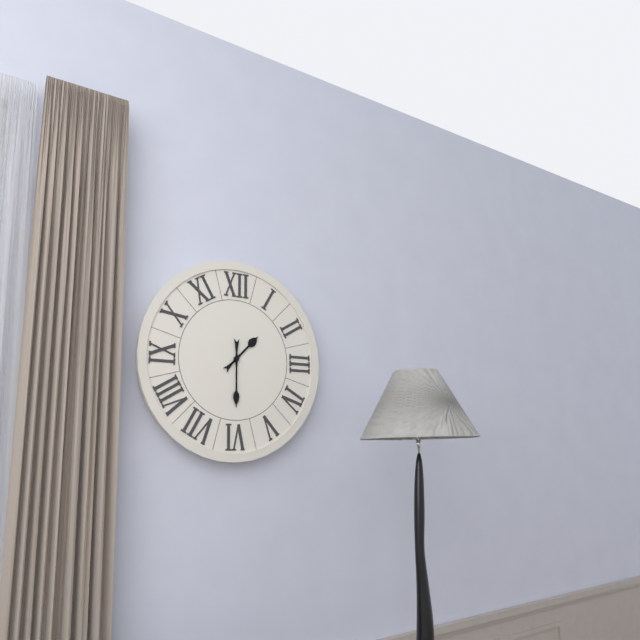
**1:30**
